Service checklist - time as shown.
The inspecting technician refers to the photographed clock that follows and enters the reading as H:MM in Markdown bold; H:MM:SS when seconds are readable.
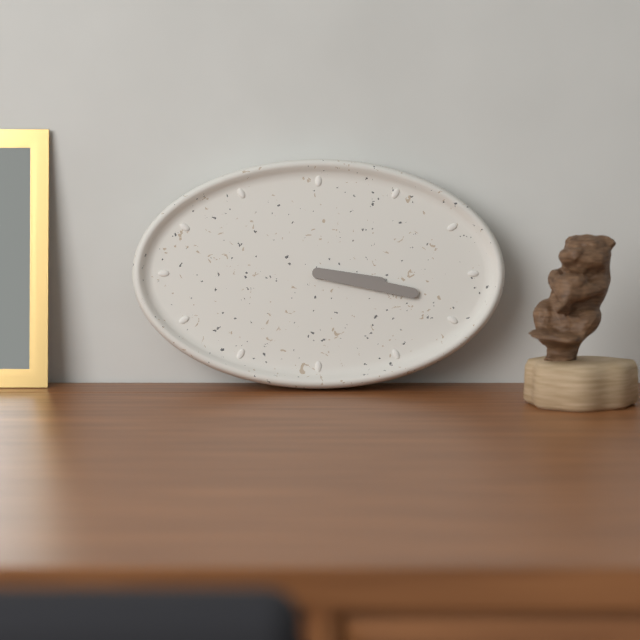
**3:17**
